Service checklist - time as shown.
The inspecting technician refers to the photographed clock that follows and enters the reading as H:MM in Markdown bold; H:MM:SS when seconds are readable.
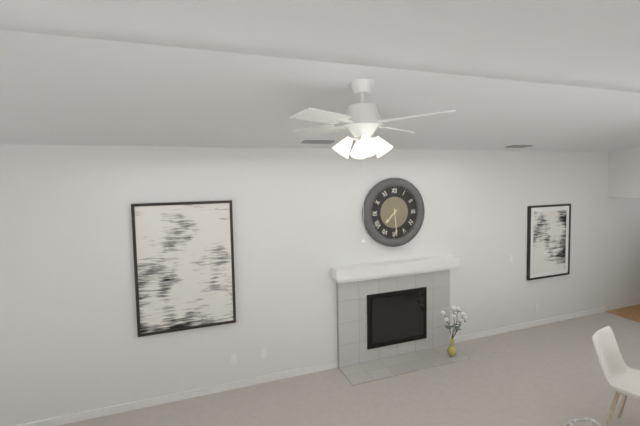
**7:29**
